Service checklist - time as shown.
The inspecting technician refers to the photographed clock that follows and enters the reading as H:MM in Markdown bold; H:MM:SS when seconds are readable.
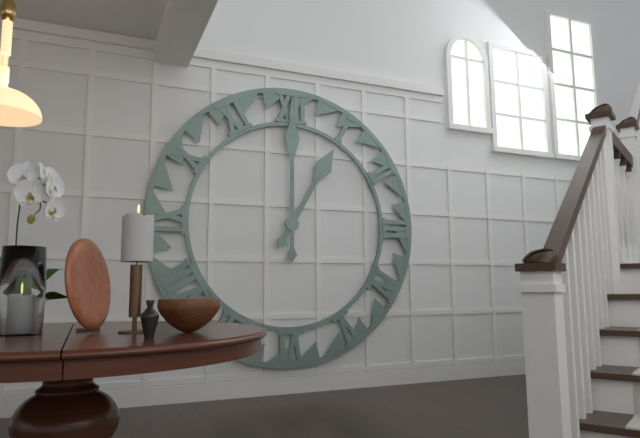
**1:00**
